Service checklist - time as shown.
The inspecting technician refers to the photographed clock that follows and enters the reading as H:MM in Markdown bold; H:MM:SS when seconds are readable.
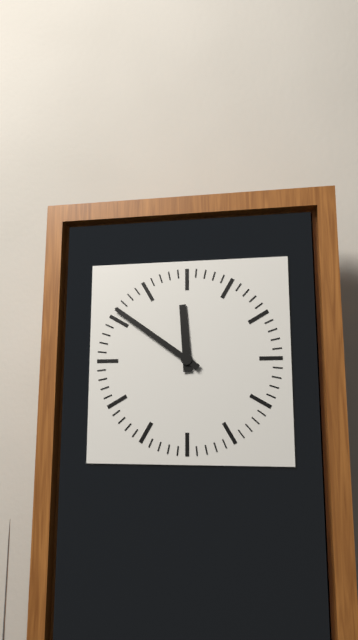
**11:51**
